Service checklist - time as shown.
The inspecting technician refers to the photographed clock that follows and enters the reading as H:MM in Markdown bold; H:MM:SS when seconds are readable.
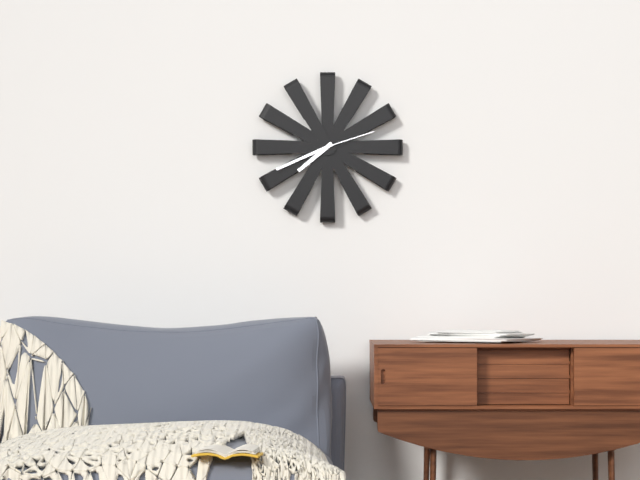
**7:41:12**
